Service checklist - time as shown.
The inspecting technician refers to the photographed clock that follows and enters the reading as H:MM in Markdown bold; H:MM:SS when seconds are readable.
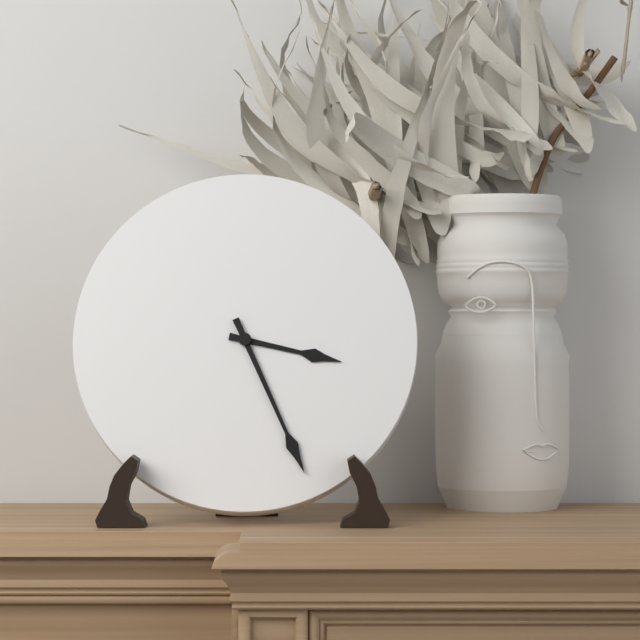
**3:26**
